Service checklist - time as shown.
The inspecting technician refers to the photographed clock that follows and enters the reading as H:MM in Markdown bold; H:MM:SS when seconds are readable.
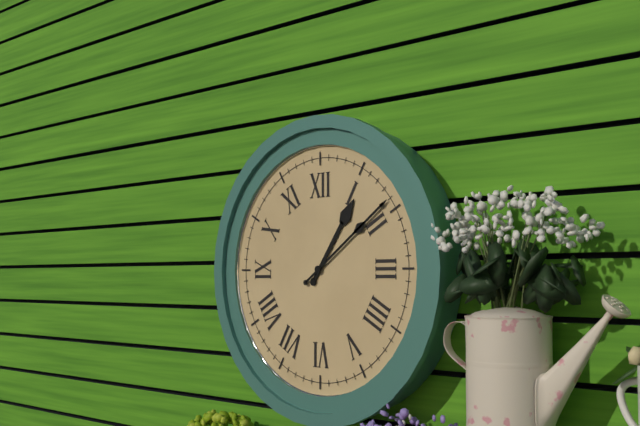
**1:09**
